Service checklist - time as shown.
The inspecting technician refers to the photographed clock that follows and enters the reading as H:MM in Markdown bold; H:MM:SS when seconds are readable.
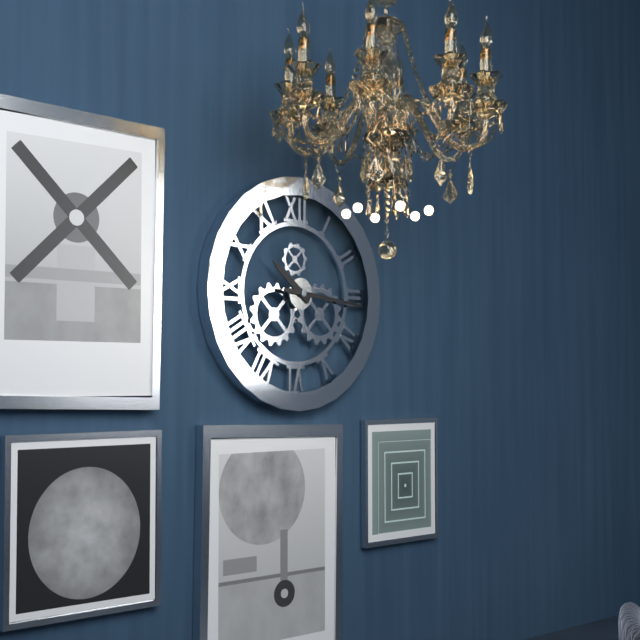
**10:16**
